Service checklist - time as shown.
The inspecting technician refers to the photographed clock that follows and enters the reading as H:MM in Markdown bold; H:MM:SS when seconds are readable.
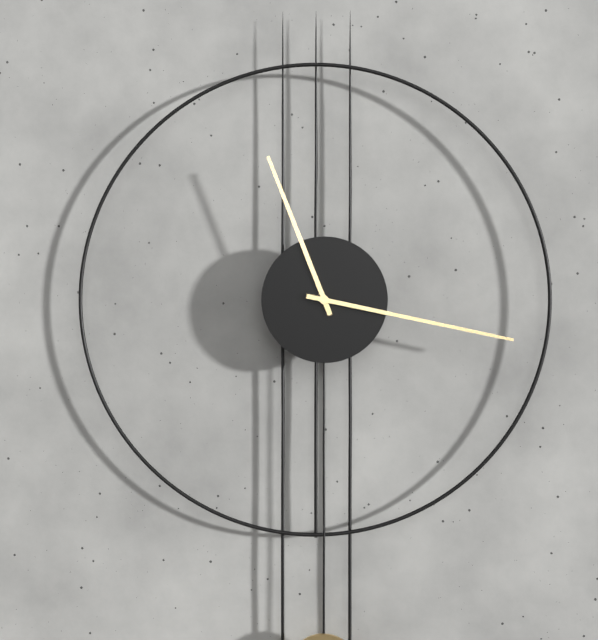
**11:17**
